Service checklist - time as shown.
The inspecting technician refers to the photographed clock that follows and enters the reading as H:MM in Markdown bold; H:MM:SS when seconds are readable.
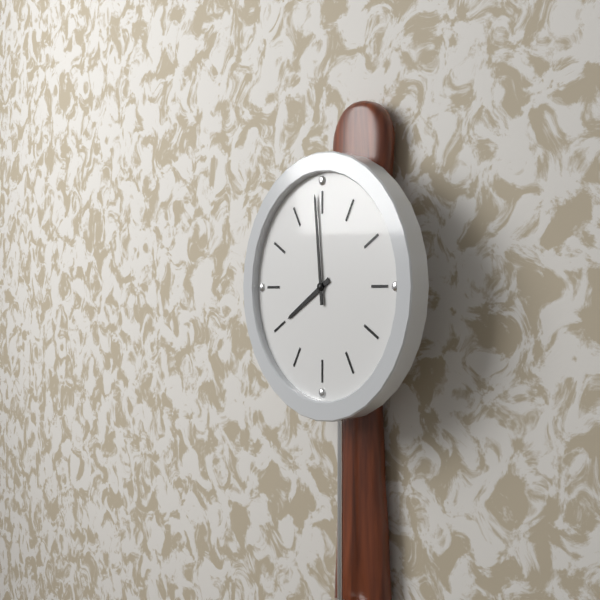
**7:59**
